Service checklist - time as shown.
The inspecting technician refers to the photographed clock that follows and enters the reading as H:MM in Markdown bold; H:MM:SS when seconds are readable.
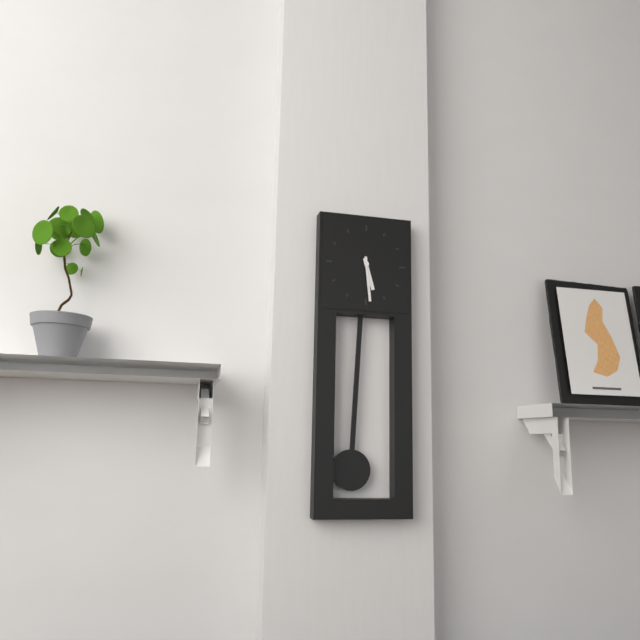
**5:29**
